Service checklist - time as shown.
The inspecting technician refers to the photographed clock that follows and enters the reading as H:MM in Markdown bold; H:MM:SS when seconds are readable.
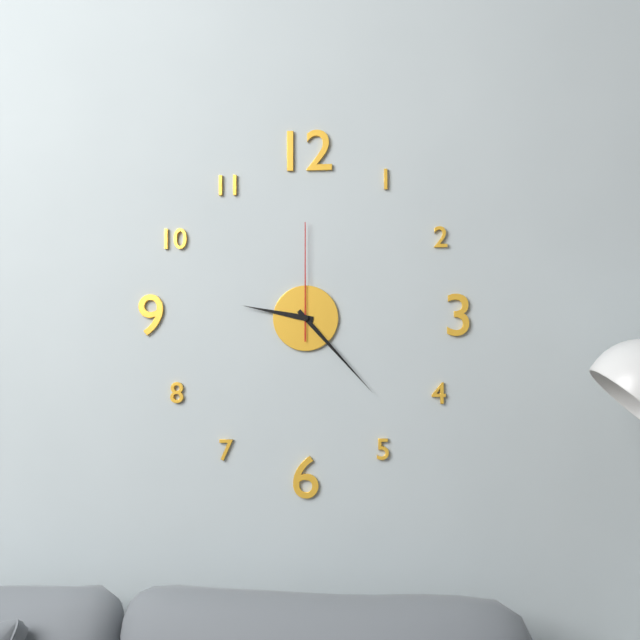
**9:23:00**
